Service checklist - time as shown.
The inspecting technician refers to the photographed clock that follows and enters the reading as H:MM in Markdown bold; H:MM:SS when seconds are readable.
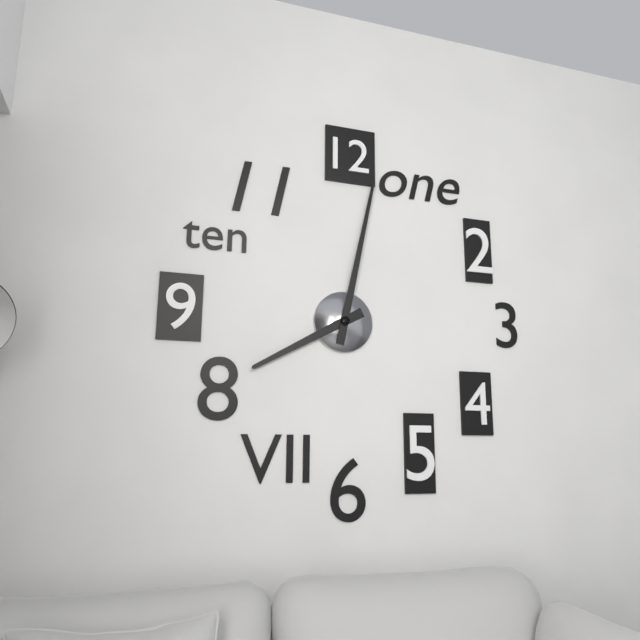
**8:02**
